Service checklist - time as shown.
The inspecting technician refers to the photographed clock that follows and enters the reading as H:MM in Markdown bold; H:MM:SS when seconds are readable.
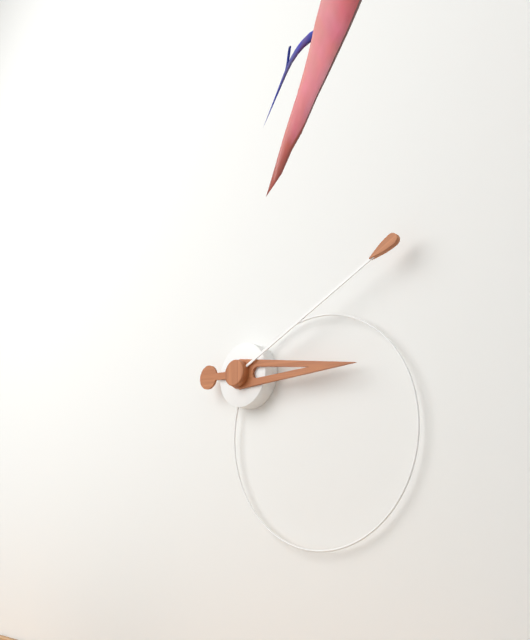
**3:11**
